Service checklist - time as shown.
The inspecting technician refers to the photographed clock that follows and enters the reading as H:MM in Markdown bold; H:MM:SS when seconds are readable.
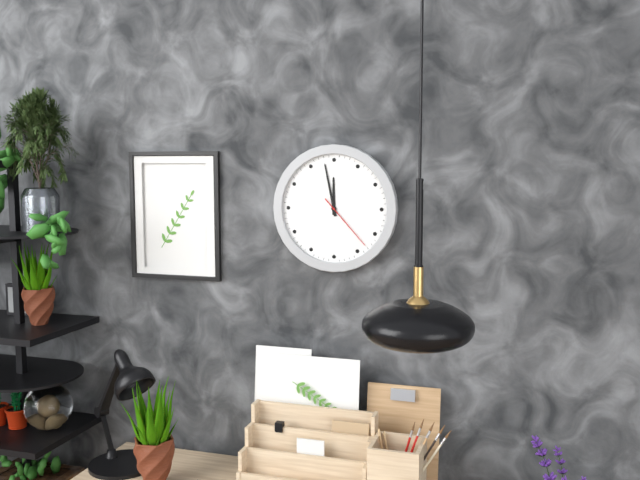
**11:58:23**
